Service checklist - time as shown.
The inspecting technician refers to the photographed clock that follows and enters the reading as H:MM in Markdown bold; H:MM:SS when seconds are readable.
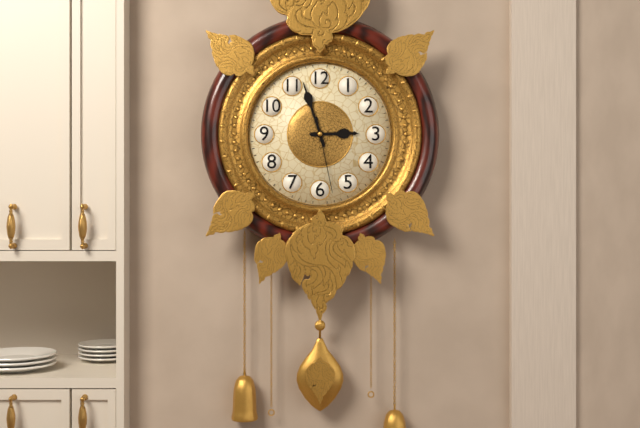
**2:57:28**
